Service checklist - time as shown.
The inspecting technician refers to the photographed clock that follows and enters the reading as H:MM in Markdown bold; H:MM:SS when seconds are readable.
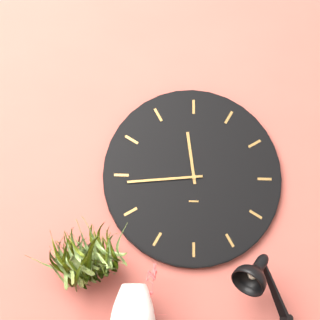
**11:44**
